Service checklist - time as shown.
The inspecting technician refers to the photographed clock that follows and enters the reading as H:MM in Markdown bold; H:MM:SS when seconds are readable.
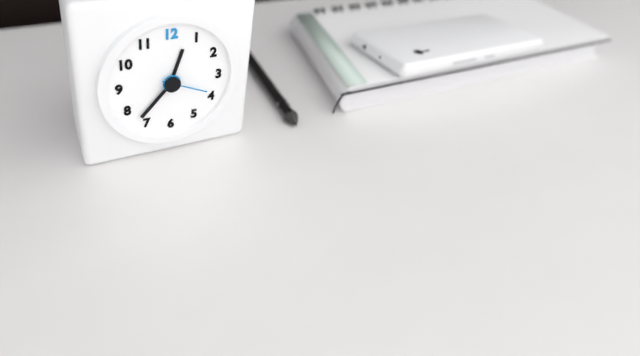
**12:37**
